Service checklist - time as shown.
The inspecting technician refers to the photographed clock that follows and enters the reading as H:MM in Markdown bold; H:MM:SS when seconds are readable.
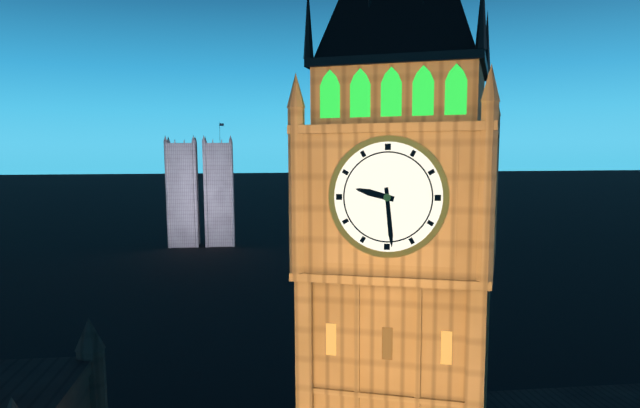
**9:29**
